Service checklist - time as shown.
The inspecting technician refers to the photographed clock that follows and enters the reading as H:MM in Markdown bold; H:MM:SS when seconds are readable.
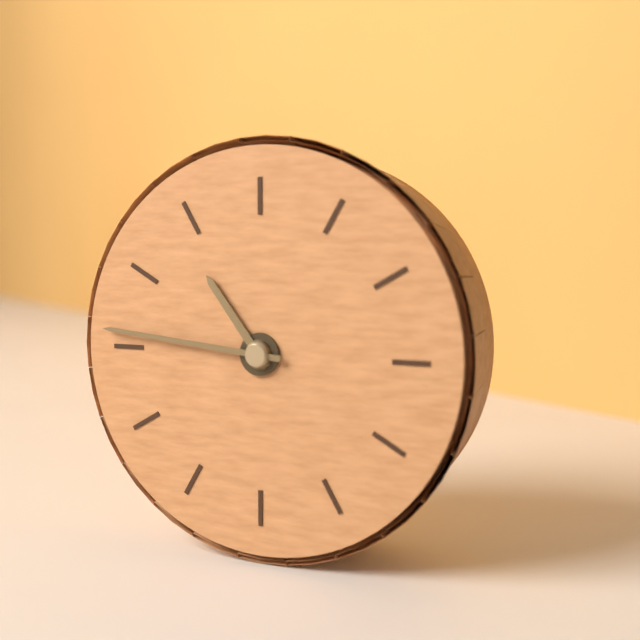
**10:46**
